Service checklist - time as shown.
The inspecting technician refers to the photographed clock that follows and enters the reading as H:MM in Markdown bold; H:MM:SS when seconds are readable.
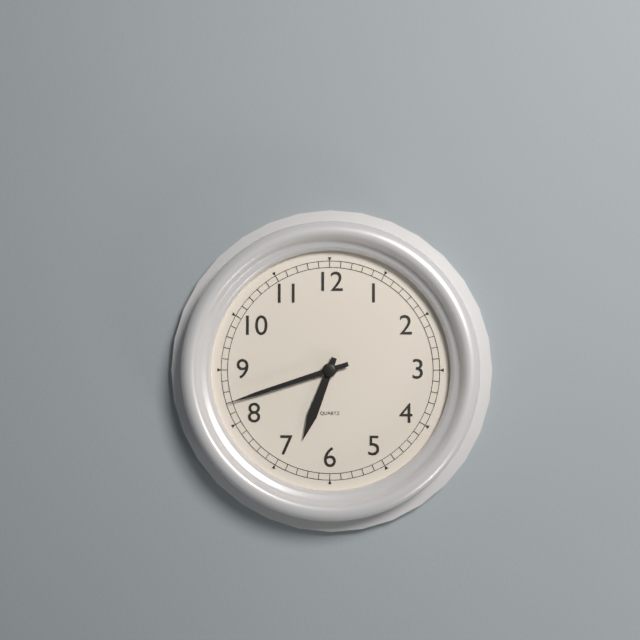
**6:42**
